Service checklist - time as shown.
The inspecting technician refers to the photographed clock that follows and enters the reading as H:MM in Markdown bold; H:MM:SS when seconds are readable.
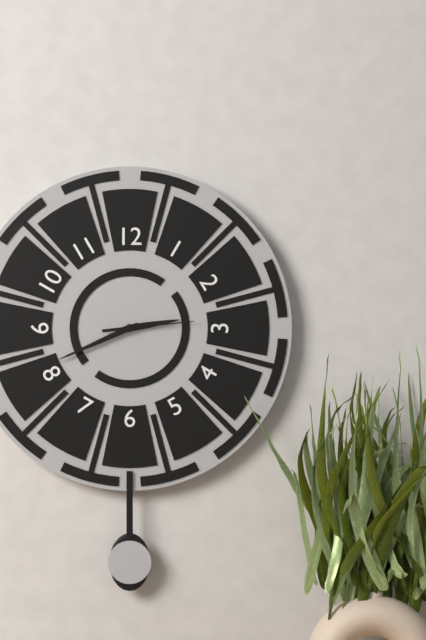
**2:41:14**
